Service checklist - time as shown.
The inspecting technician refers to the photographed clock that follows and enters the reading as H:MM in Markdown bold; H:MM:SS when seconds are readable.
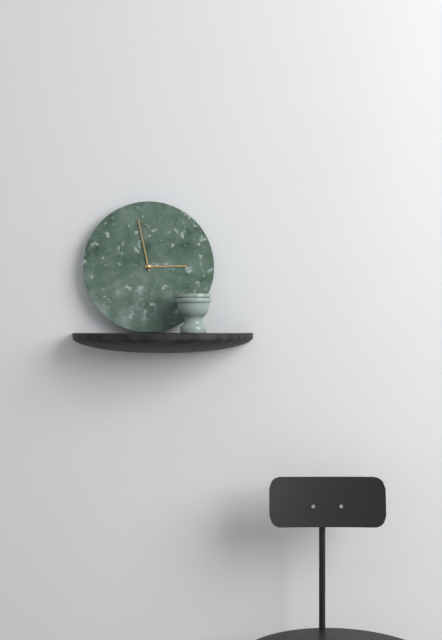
**2:58**
